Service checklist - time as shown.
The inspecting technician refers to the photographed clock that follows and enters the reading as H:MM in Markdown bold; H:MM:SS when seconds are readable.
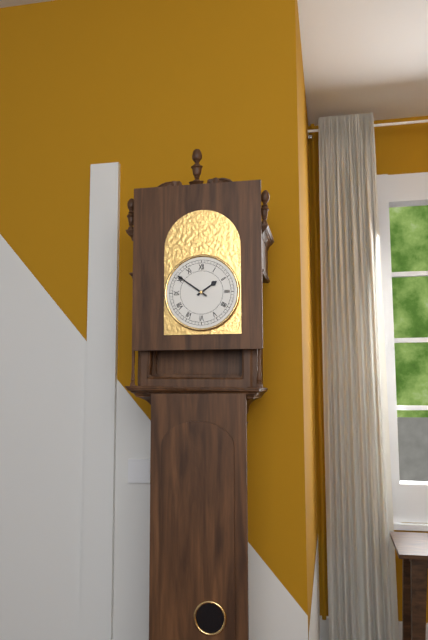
**1:51**
